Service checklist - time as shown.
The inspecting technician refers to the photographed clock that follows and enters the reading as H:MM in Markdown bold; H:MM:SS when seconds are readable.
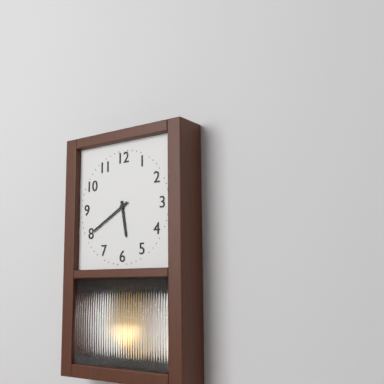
**5:40**
